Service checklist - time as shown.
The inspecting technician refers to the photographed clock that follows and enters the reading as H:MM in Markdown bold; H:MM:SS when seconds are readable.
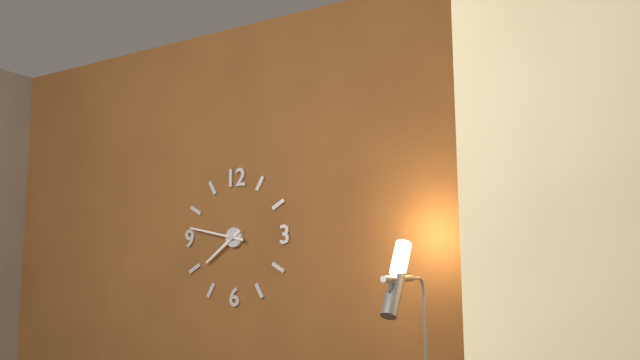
**7:47**
